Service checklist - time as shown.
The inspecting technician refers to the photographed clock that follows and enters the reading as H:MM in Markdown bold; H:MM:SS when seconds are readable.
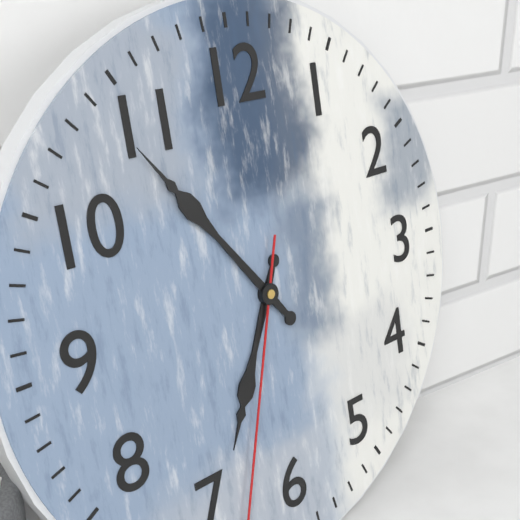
**6:54**
